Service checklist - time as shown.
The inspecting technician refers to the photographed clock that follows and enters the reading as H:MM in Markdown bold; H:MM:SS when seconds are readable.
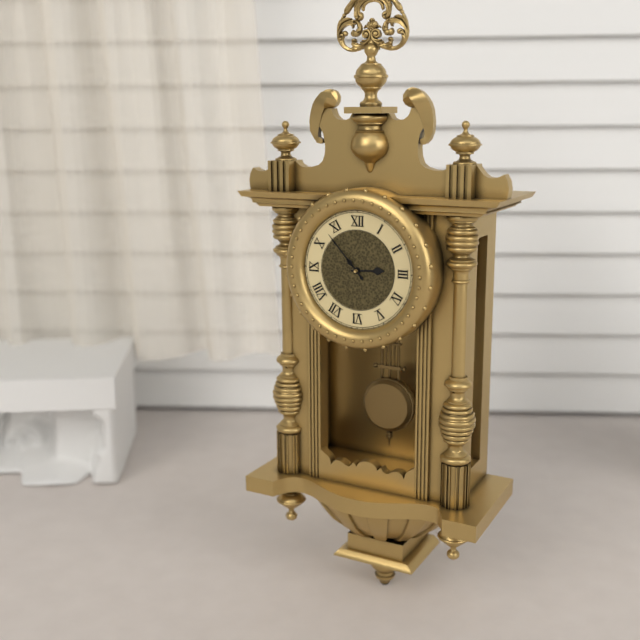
**2:53**
